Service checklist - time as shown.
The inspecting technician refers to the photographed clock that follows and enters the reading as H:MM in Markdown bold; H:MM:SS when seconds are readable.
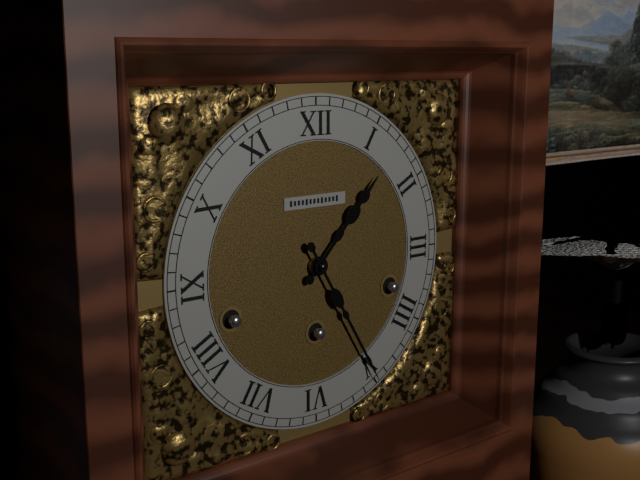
**1:25**
